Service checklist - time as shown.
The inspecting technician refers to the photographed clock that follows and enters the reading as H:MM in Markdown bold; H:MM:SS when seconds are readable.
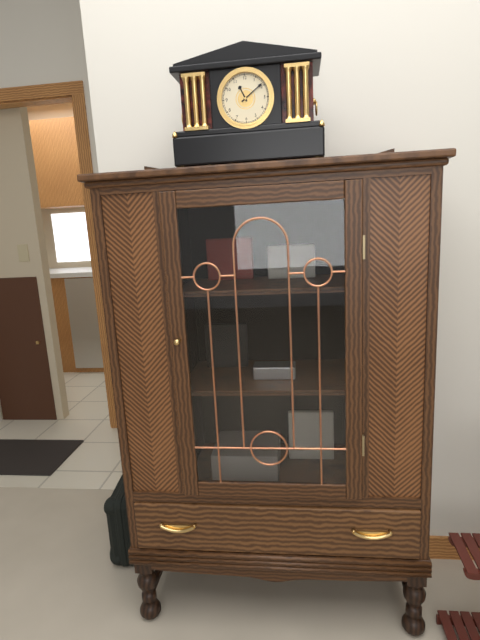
**11:09**
